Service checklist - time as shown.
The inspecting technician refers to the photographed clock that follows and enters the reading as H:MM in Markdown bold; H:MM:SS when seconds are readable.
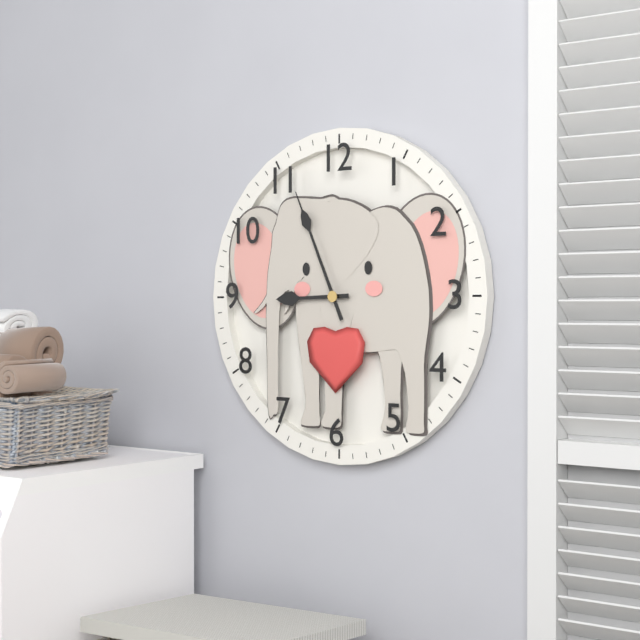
**8:56**
